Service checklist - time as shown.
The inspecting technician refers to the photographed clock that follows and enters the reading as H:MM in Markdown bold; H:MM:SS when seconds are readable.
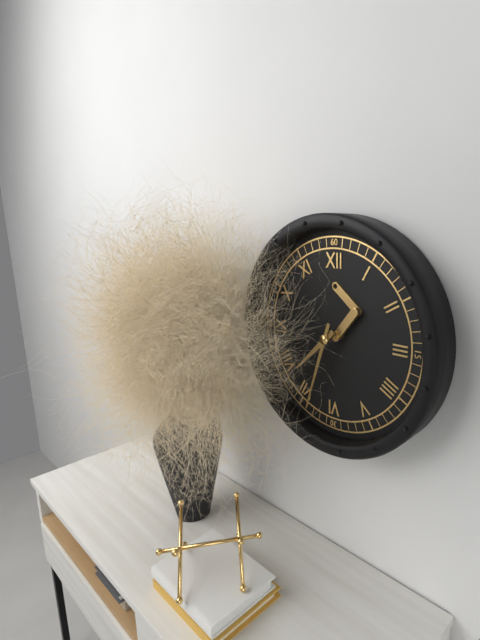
**7:33**
